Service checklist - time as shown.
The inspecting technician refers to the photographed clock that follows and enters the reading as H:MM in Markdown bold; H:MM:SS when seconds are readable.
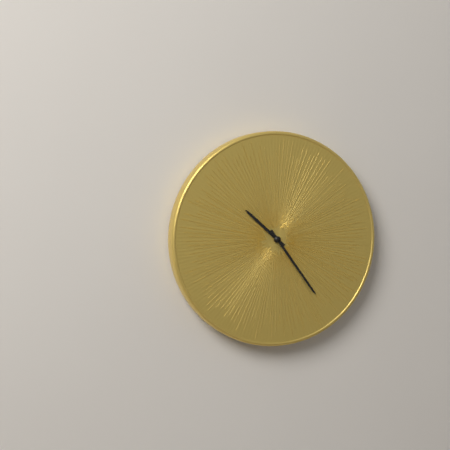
**10:24**
